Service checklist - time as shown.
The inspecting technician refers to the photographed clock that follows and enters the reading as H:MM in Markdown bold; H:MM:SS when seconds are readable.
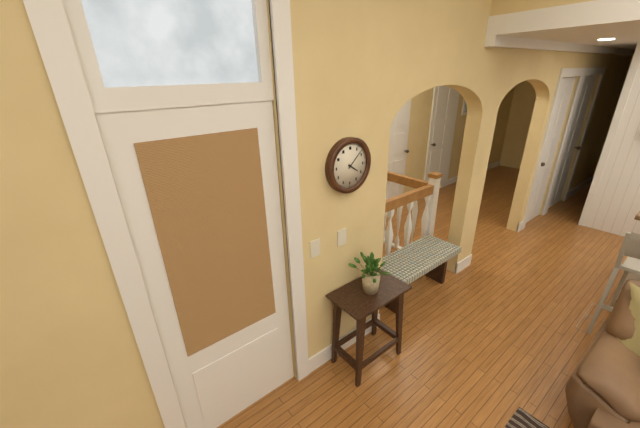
**4:08**
